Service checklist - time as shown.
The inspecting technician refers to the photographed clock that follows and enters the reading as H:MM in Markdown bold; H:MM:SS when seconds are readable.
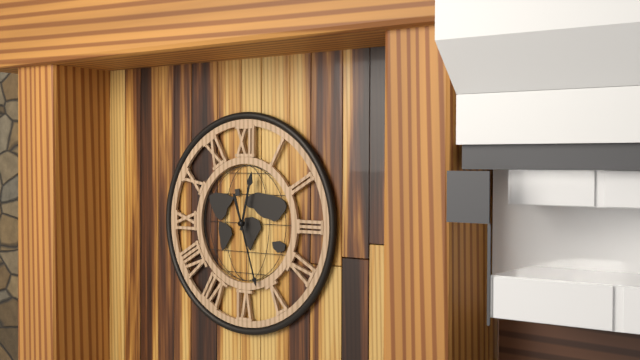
**12:27**
